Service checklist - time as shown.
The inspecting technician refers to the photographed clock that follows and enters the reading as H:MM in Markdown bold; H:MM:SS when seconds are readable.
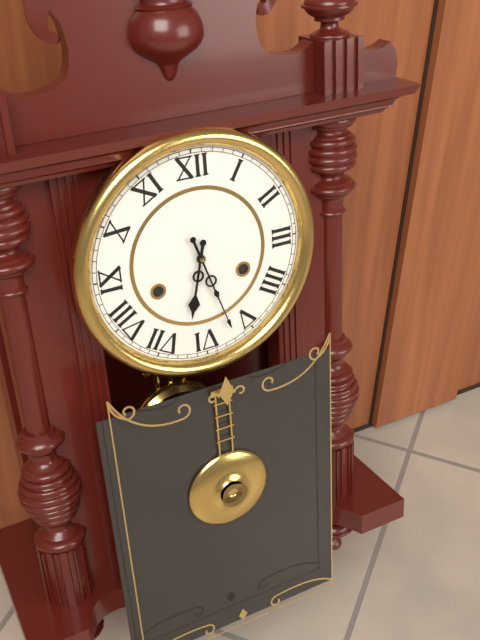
**6:27**
